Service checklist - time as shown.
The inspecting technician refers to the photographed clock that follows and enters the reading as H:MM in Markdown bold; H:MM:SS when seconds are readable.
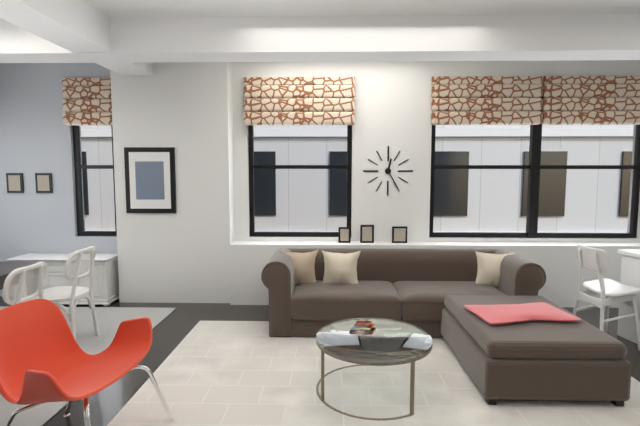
**12:25**
